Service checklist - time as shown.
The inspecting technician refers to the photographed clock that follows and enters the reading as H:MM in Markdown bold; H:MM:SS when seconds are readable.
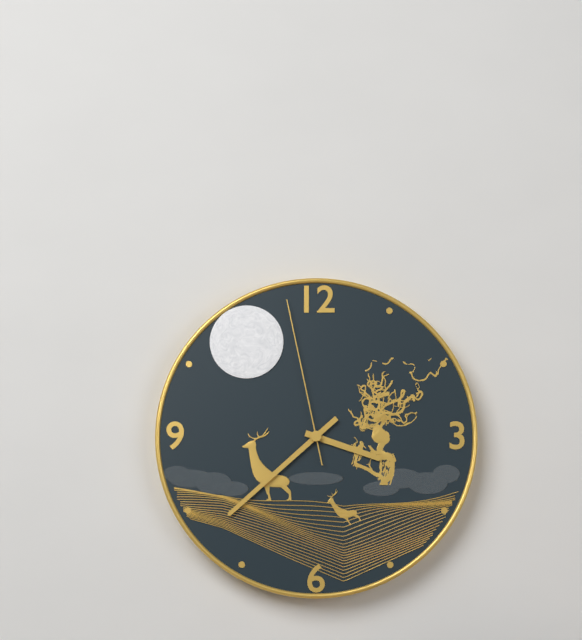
**3:38:58**
